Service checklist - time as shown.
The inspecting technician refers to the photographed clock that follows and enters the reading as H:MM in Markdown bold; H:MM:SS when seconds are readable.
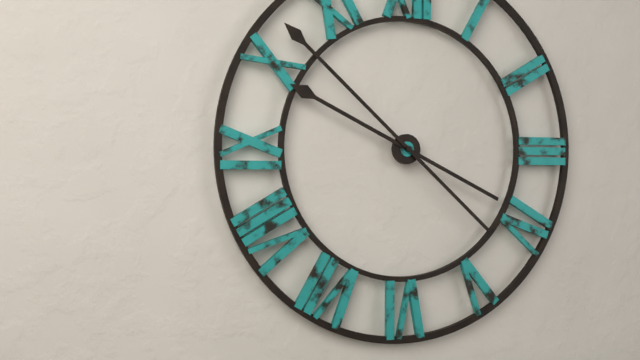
**9:52**
